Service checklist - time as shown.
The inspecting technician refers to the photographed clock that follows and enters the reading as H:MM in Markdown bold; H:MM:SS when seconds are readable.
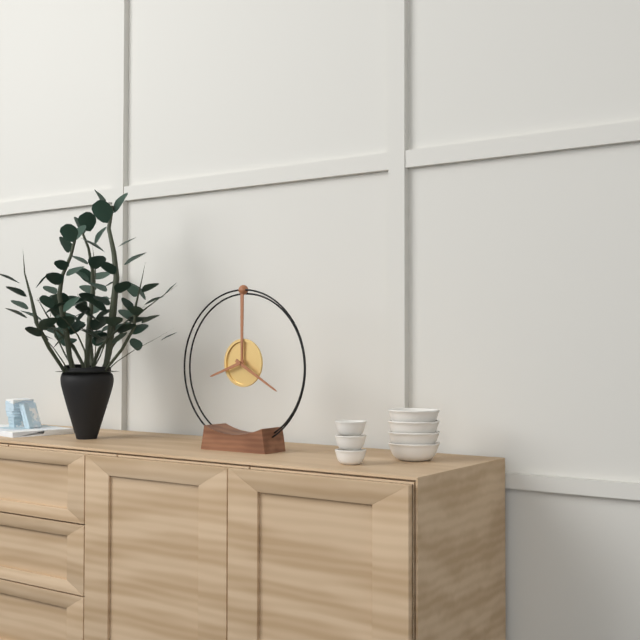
**8:20**
